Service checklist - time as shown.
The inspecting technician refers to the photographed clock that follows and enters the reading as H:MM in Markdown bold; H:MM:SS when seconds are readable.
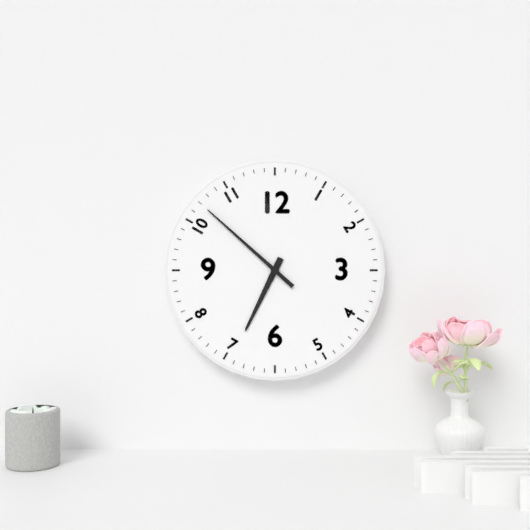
**6:52**
